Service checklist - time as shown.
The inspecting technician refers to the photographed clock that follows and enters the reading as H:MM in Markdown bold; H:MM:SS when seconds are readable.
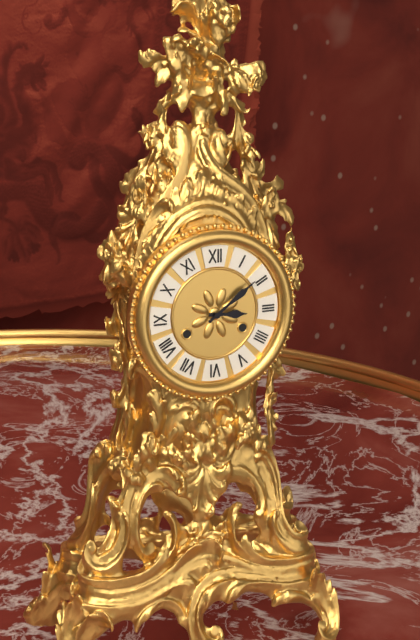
**3:09**
